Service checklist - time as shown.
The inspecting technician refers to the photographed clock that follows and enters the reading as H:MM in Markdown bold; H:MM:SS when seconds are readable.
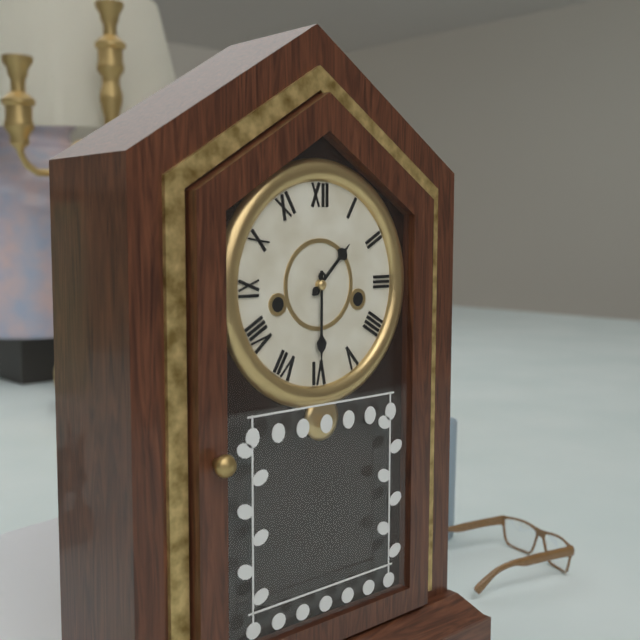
**1:30**
